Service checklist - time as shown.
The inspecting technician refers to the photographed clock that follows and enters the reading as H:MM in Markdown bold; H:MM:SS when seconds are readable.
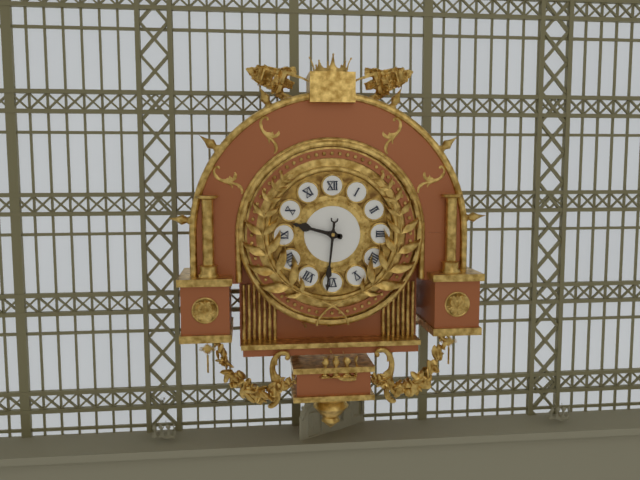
**9:31**
